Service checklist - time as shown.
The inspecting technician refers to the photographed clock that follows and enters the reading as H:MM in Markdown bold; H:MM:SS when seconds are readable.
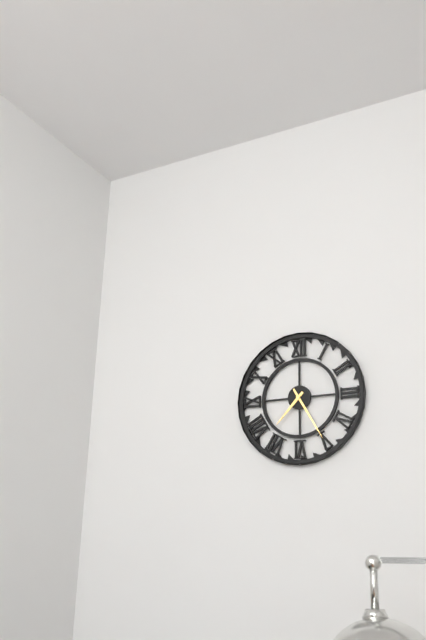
**7:25**
